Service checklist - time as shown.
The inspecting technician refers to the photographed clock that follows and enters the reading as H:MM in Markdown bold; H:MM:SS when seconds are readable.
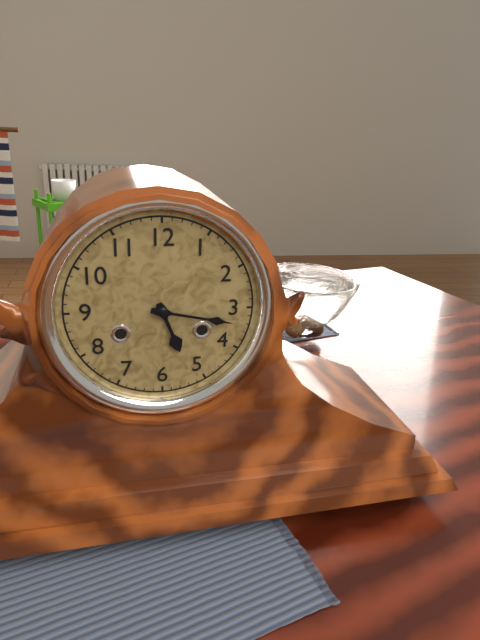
**5:17**
